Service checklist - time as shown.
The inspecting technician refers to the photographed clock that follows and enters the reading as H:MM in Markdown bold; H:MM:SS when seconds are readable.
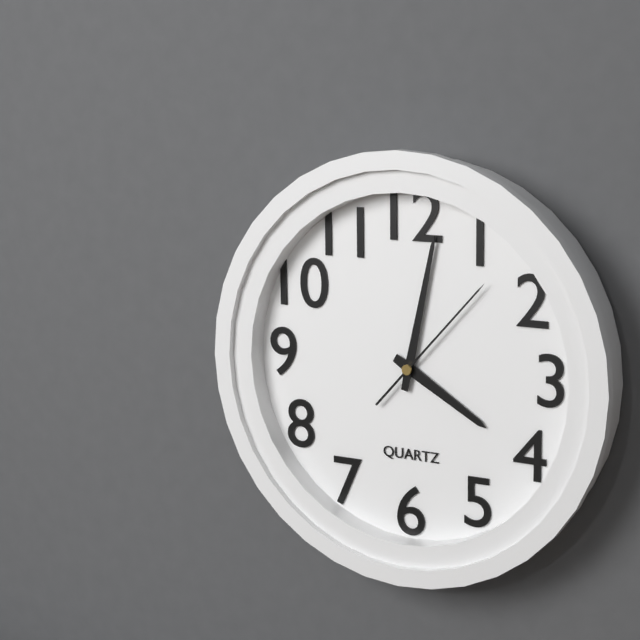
**4:02:07**
